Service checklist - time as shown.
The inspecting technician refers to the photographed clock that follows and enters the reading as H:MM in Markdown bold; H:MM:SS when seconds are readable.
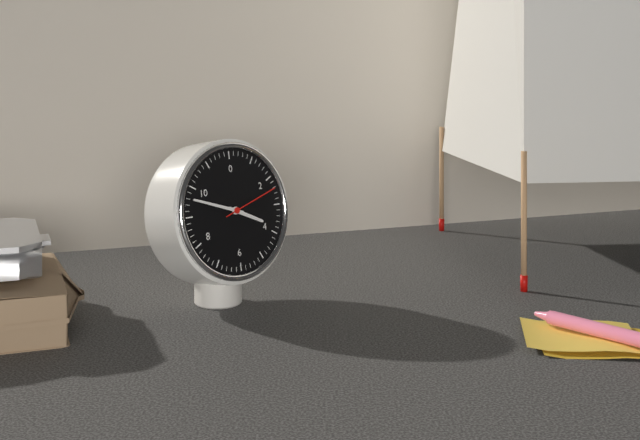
**3:48:12**
